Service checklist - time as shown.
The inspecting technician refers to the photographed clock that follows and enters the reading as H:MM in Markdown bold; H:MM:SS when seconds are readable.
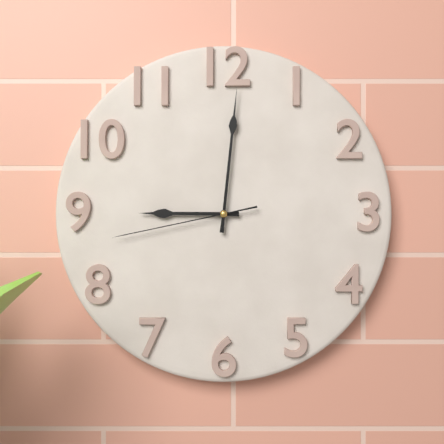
**9:01:43**
